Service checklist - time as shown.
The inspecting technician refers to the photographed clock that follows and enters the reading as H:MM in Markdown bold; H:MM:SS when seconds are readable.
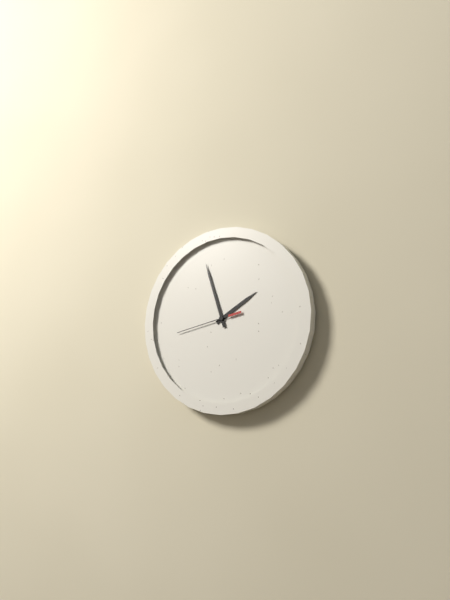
**1:57:43**
